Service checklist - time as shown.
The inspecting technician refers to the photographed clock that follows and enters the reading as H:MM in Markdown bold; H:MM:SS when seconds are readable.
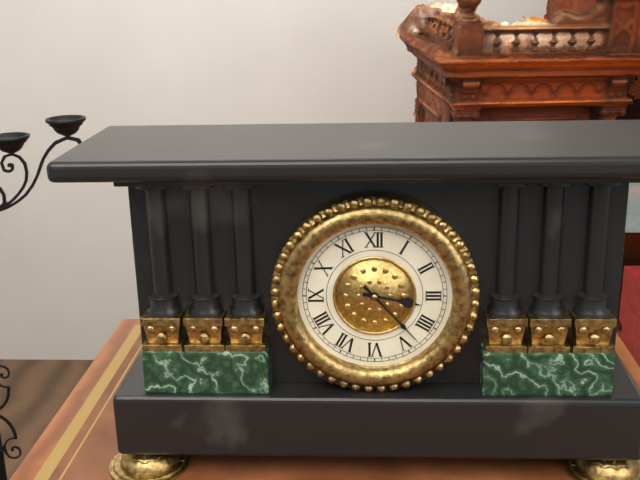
**3:23**
